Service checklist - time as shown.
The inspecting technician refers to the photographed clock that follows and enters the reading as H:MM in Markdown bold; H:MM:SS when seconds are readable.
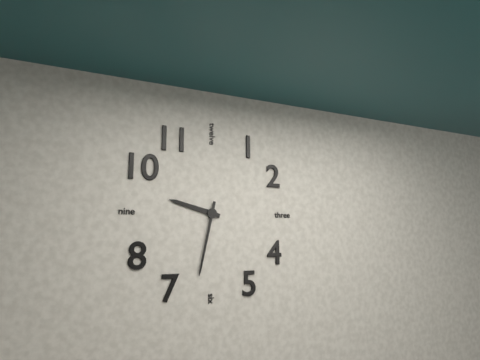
**9:32**
